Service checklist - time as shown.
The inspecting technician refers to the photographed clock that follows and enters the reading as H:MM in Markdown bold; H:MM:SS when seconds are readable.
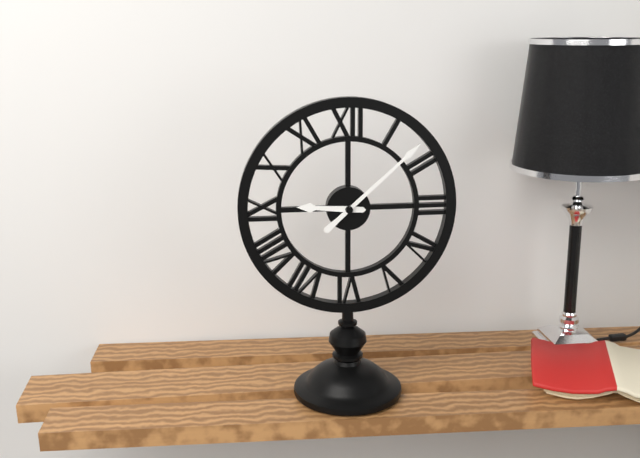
**9:08**
